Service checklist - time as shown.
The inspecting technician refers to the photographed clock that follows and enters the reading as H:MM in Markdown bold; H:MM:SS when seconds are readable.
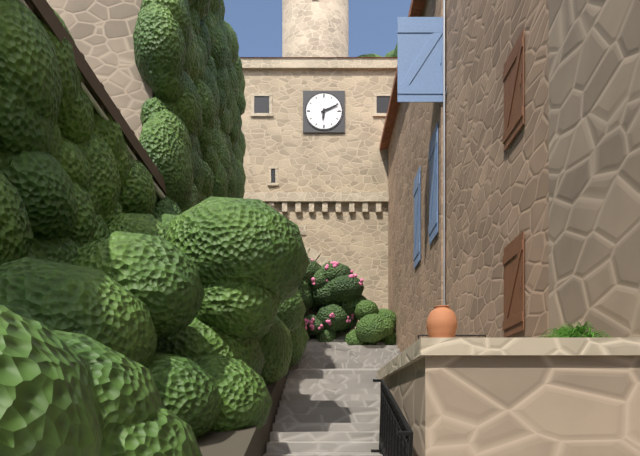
**6:11**
